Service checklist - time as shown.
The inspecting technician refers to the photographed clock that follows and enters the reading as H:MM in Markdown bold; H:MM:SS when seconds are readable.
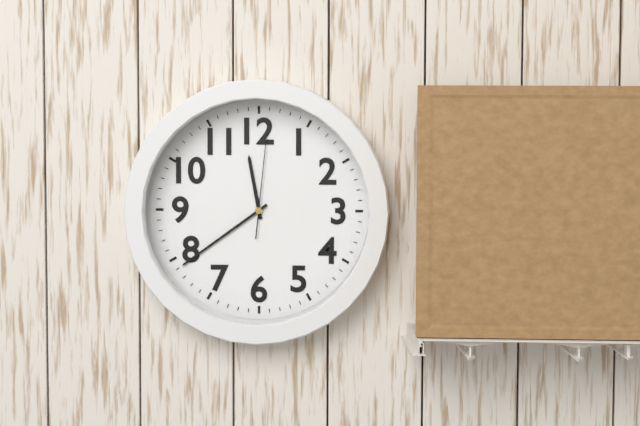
**11:39:01**
